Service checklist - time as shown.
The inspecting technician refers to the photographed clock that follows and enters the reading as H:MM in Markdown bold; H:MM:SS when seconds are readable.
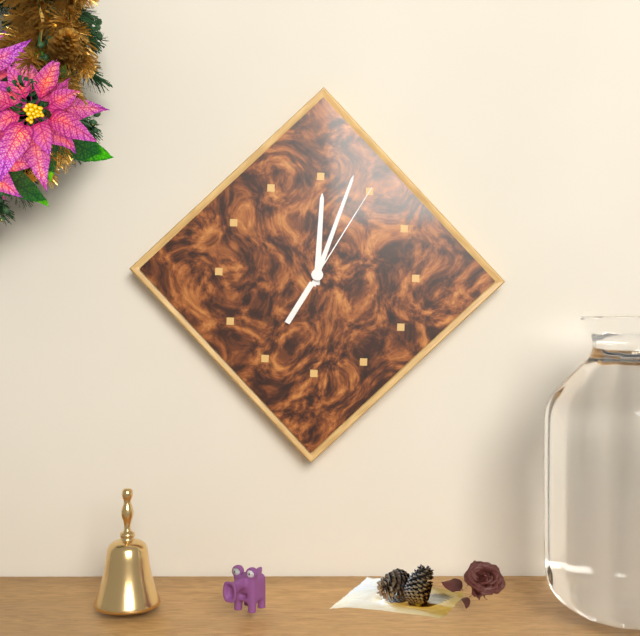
**12:03:05**
